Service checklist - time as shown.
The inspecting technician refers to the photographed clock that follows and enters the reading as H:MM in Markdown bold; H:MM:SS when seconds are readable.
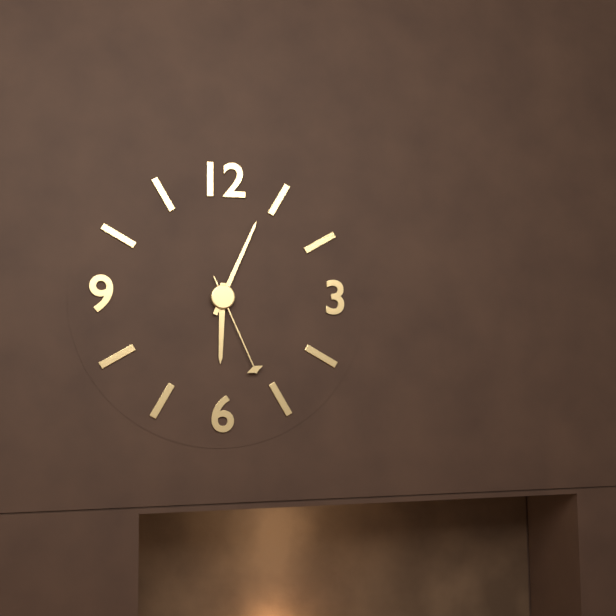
**6:04:26**
